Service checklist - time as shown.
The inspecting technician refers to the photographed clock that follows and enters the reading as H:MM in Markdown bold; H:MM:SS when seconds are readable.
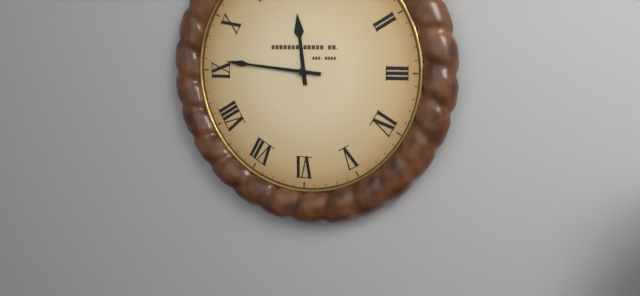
**11:46**
